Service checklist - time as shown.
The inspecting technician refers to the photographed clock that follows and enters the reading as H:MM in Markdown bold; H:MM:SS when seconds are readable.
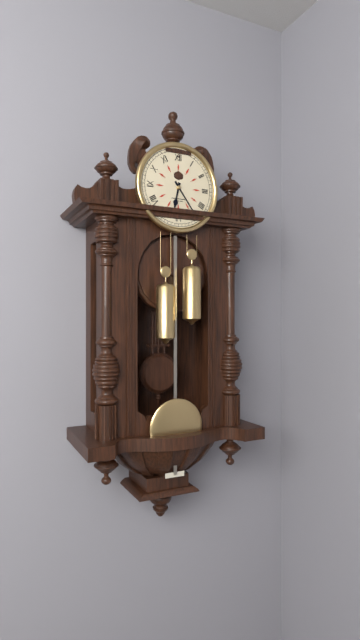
**6:24**
